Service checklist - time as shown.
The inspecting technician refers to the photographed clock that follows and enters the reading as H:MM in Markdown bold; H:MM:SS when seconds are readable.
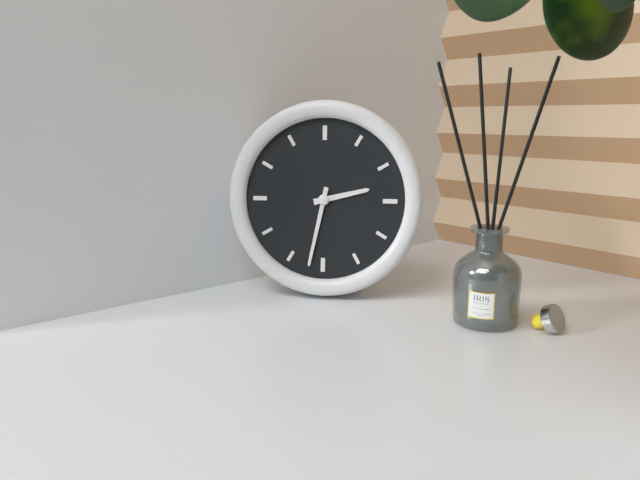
**2:32**
